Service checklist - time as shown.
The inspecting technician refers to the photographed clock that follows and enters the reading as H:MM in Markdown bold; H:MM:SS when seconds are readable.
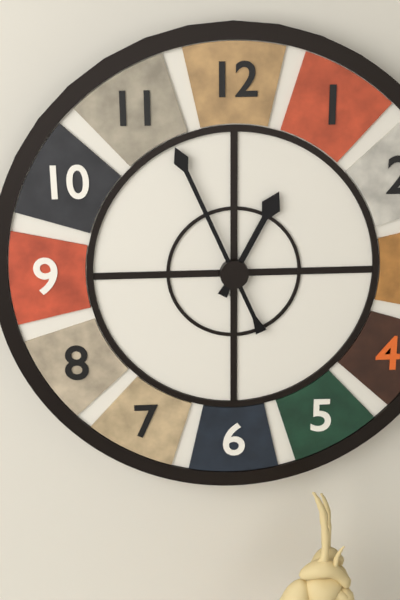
**12:56**
